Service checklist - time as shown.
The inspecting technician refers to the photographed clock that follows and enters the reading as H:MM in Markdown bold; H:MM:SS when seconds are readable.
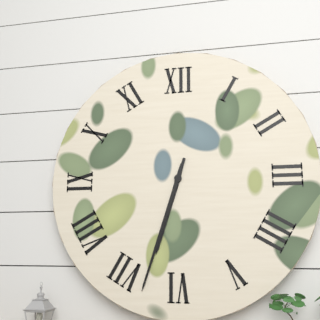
**6:33**
